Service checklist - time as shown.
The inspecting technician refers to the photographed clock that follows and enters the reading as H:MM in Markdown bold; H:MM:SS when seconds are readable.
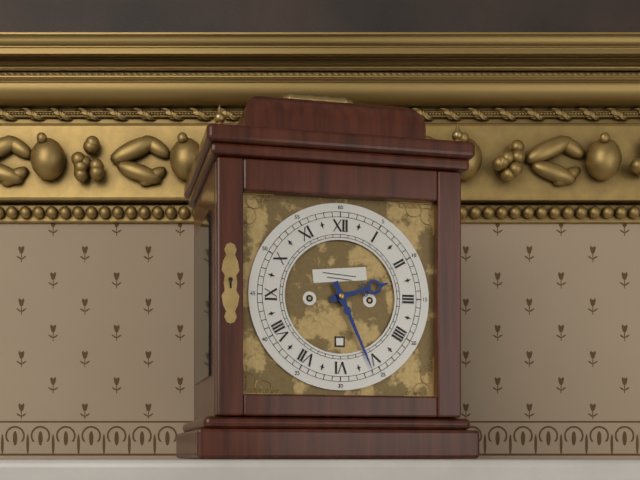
**2:26**
